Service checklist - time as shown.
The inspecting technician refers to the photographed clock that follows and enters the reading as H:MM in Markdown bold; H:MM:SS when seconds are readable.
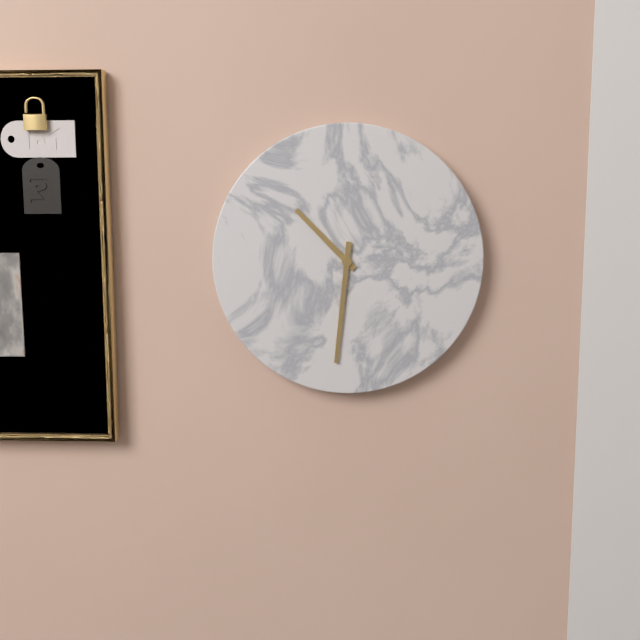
**10:31**
